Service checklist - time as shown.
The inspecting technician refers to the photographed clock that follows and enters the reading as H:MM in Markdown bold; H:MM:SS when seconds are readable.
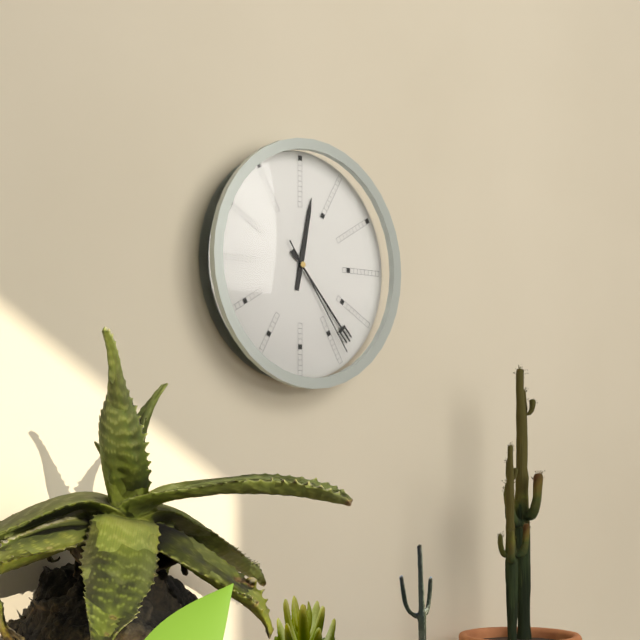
**12:23:24**
